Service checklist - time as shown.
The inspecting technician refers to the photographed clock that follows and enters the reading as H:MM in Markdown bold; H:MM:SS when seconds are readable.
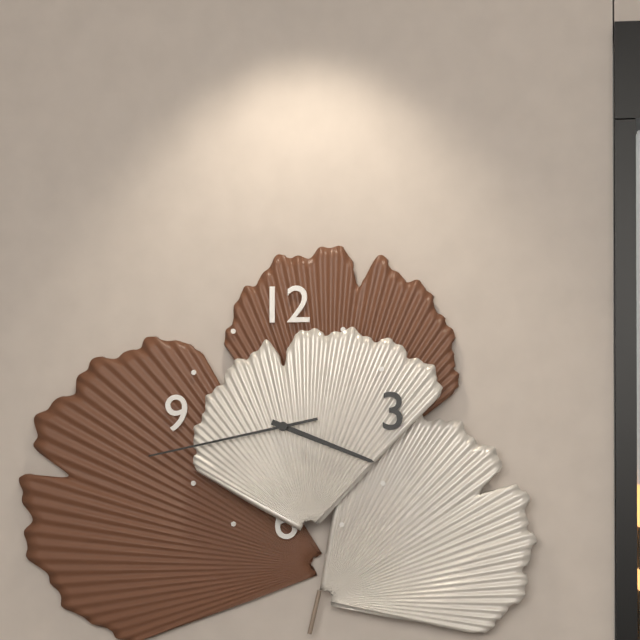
**3:43**
